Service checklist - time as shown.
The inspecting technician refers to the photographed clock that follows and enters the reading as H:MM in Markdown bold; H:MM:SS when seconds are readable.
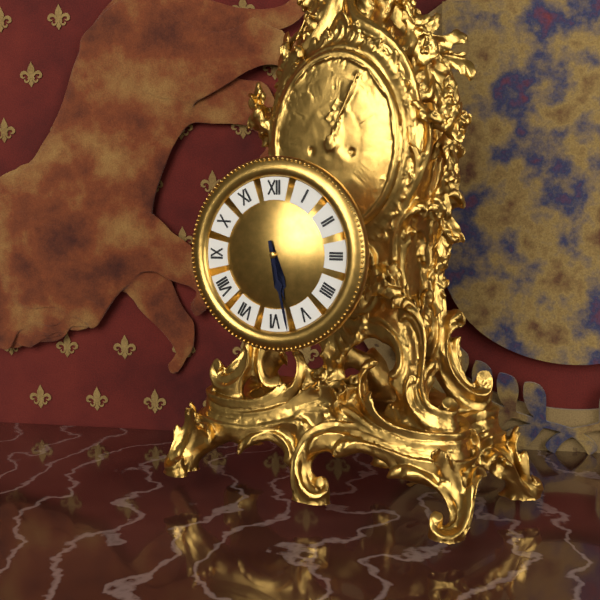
**5:28**
